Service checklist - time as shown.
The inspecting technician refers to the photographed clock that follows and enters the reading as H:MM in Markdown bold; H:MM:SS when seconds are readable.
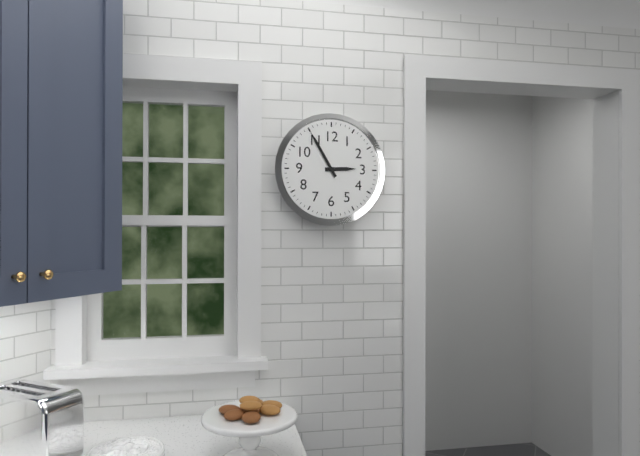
**2:55**
